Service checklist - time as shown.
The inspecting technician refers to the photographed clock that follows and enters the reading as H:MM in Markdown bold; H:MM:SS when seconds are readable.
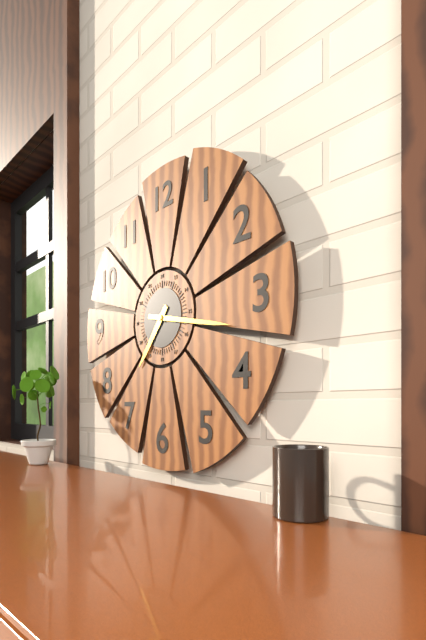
**7:17**
